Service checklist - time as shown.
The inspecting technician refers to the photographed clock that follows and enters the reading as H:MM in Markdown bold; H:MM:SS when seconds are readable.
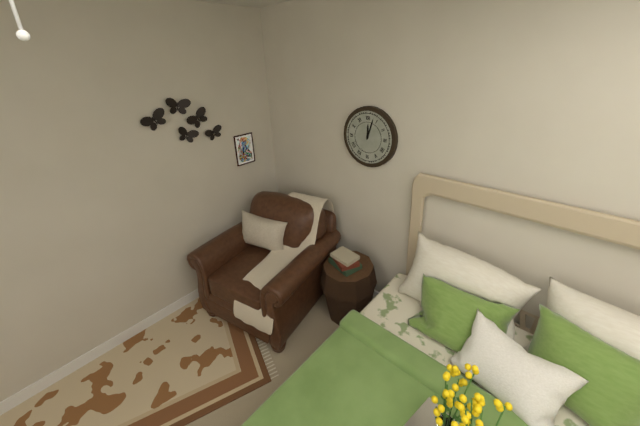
**12:03**
